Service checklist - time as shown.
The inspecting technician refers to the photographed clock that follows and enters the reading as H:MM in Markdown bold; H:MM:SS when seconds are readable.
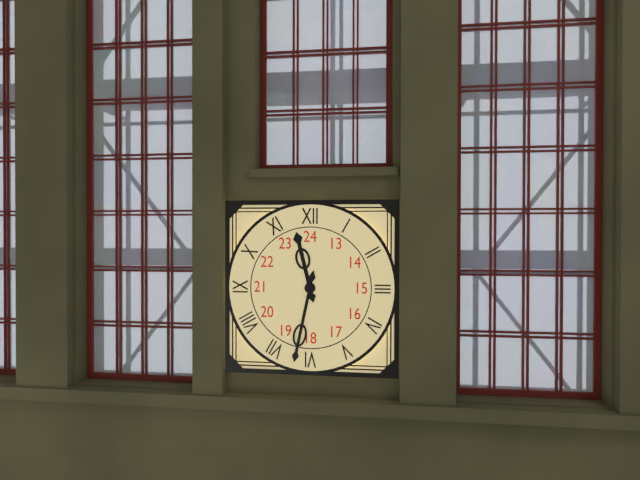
**11:32**
